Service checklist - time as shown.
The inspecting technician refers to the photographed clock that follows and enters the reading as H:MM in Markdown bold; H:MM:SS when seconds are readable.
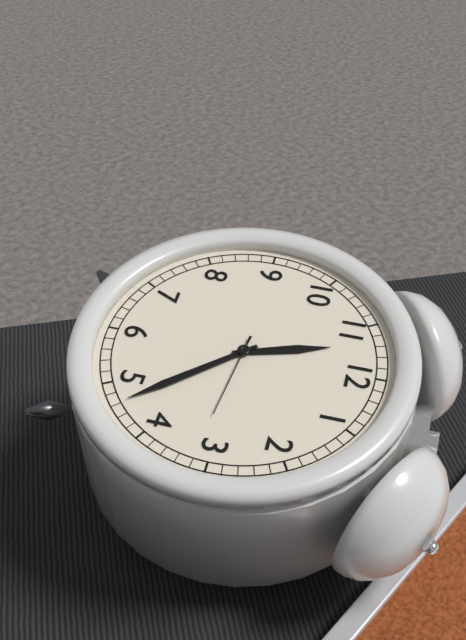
**11:23:16**
